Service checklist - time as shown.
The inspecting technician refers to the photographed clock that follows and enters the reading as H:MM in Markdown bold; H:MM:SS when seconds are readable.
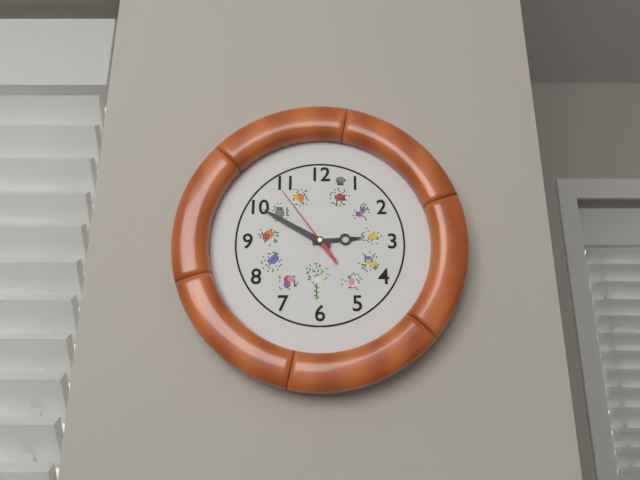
**2:50:54**
